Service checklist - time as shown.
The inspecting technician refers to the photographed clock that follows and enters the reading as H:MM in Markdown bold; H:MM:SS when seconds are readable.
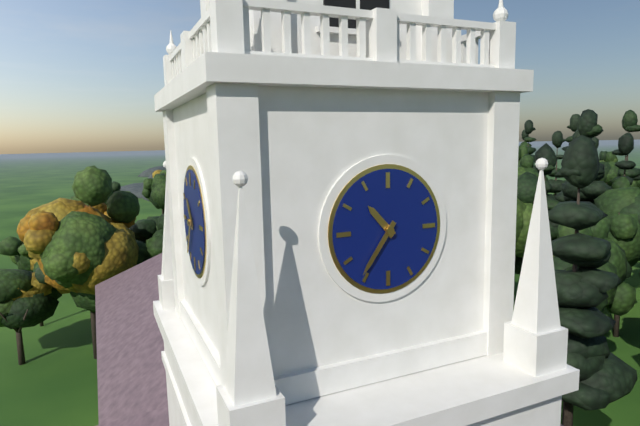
**10:36**
